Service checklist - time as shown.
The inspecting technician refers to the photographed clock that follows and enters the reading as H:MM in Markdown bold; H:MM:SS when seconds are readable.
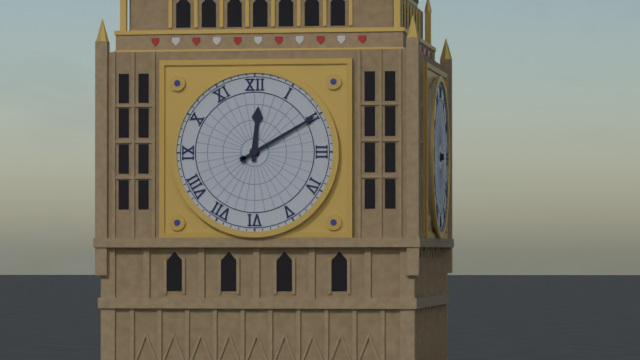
**12:10**
